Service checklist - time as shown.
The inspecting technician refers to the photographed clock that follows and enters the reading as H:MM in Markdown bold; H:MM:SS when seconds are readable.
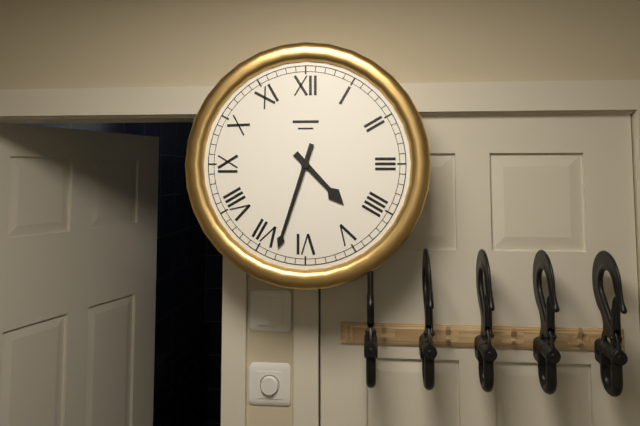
**4:33**
